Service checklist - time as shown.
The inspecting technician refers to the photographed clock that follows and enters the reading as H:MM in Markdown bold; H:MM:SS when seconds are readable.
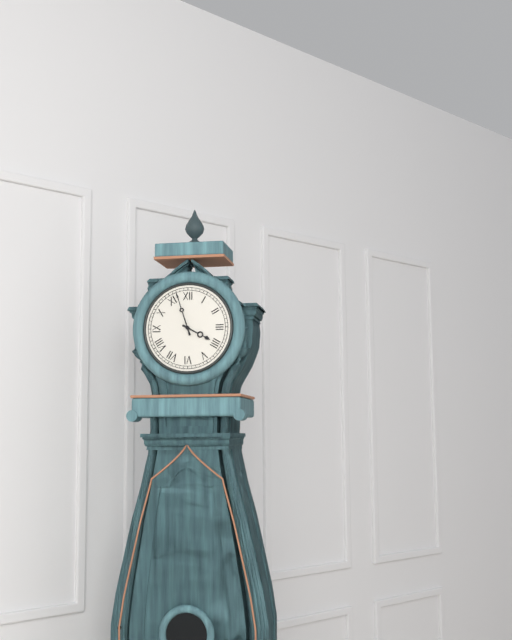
**3:57**
